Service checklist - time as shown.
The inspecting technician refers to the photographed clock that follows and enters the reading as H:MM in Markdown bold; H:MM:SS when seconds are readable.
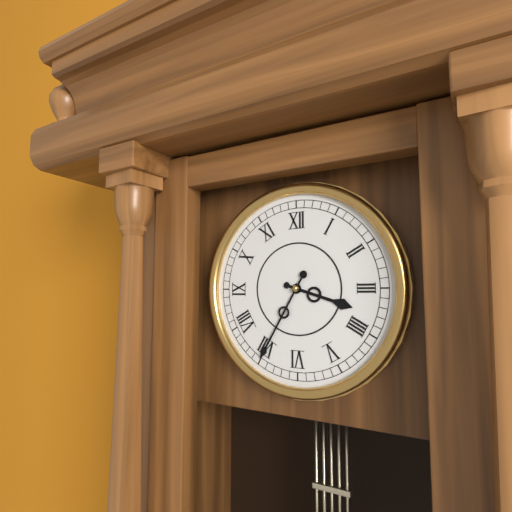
**3:35**
